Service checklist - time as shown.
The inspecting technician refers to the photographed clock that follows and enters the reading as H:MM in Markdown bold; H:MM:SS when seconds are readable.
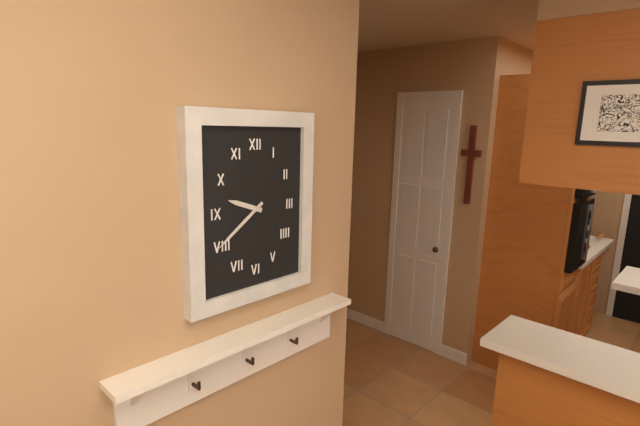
**9:39**
